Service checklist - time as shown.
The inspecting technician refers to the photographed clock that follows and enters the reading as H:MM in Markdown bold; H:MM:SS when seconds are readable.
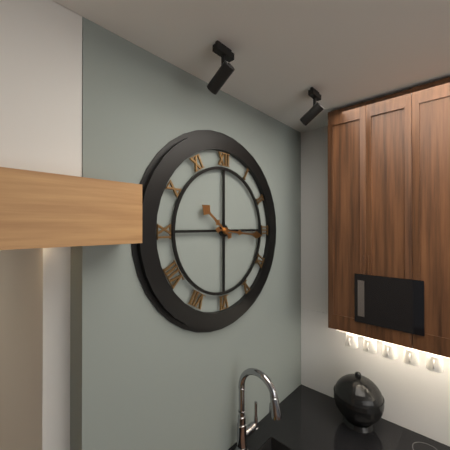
**10:16**
